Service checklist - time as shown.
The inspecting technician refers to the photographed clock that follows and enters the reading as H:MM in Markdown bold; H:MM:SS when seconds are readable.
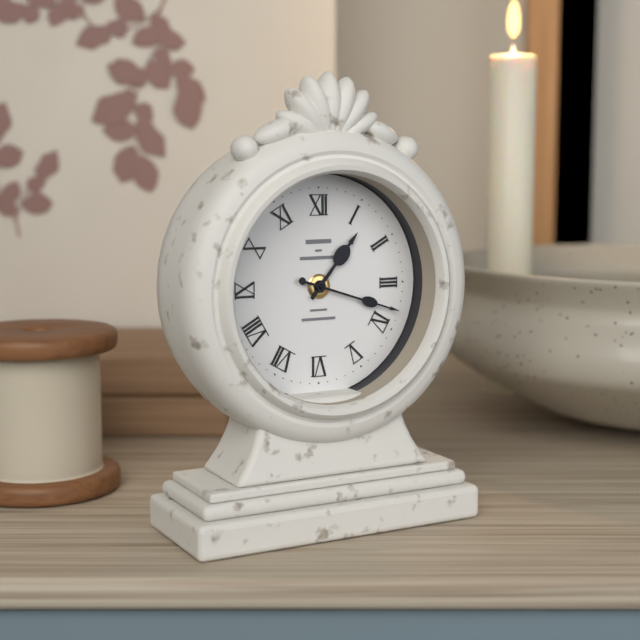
**1:18**
